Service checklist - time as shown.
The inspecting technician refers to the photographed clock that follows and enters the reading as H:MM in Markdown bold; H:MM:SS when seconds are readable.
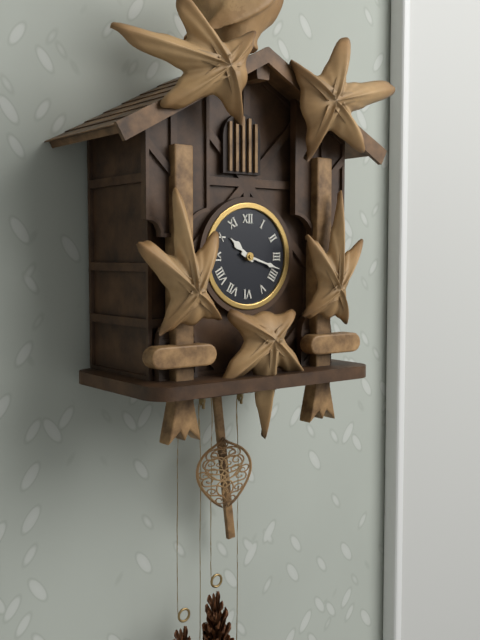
**10:18**
